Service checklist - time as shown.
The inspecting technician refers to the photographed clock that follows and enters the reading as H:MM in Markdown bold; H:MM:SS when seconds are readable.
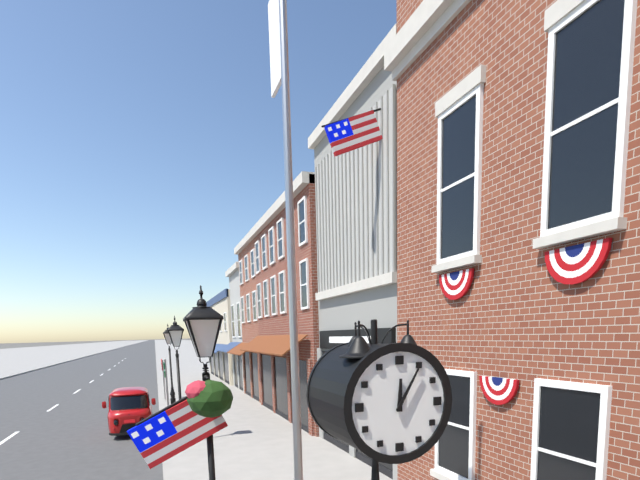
**12:05**
